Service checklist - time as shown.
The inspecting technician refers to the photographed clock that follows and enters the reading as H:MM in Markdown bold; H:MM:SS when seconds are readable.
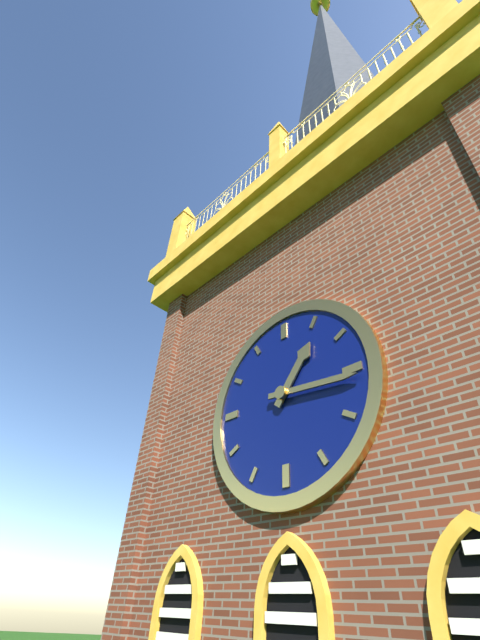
**1:16**
